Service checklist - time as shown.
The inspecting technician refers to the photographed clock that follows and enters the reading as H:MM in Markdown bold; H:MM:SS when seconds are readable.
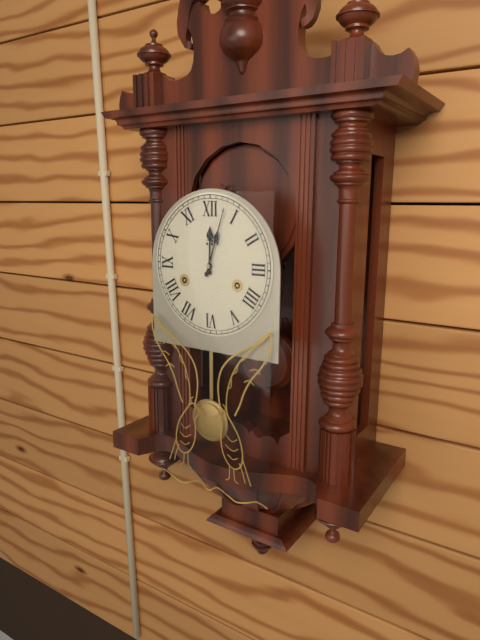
**12:03**
